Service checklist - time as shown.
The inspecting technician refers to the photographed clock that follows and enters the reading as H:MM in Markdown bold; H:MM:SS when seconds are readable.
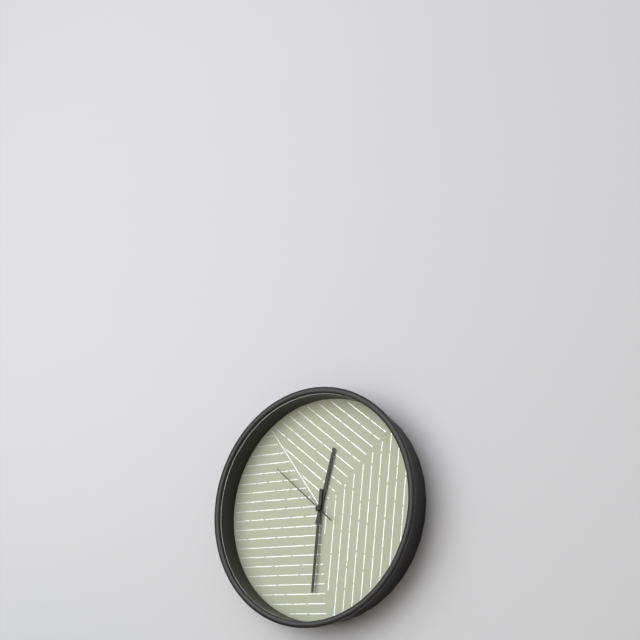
**12:31:52**
